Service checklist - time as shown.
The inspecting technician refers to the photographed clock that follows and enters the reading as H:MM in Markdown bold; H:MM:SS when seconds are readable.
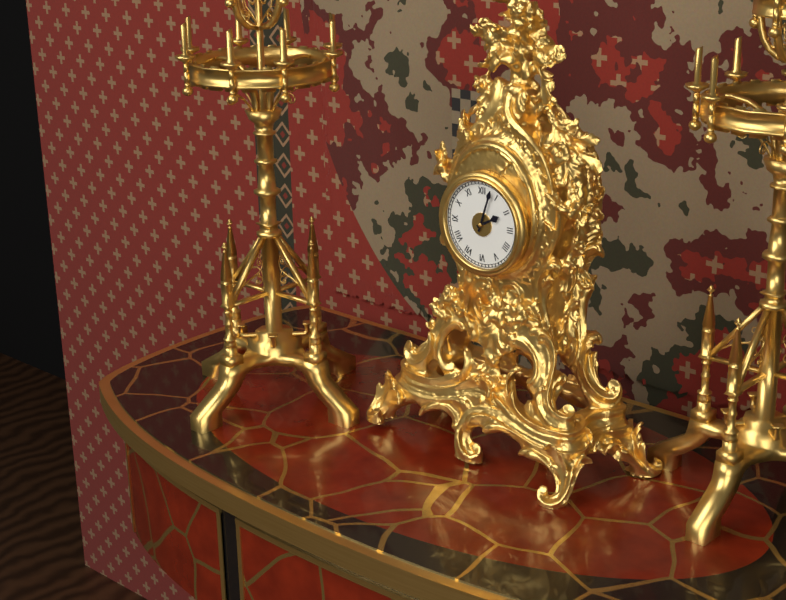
**2:03**
